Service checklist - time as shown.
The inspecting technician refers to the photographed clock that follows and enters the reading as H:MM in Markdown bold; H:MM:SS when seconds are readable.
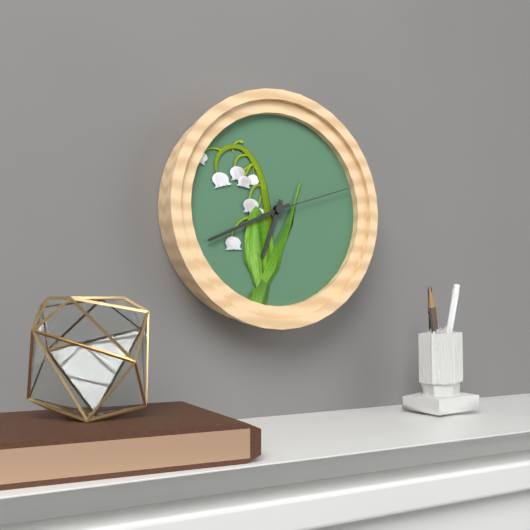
**6:41:12**
